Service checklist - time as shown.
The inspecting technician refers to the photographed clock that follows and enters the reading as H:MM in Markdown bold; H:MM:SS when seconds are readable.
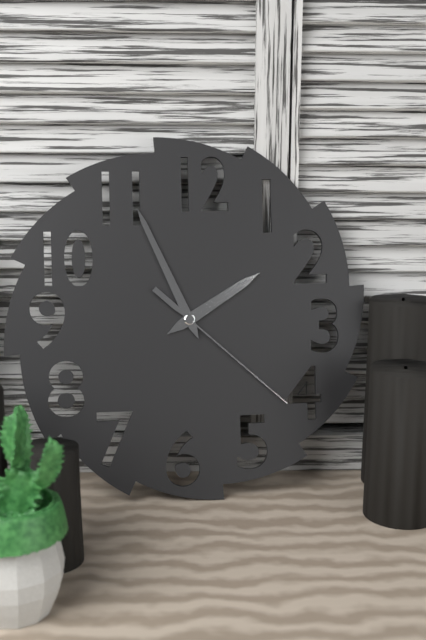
**1:56:22**
